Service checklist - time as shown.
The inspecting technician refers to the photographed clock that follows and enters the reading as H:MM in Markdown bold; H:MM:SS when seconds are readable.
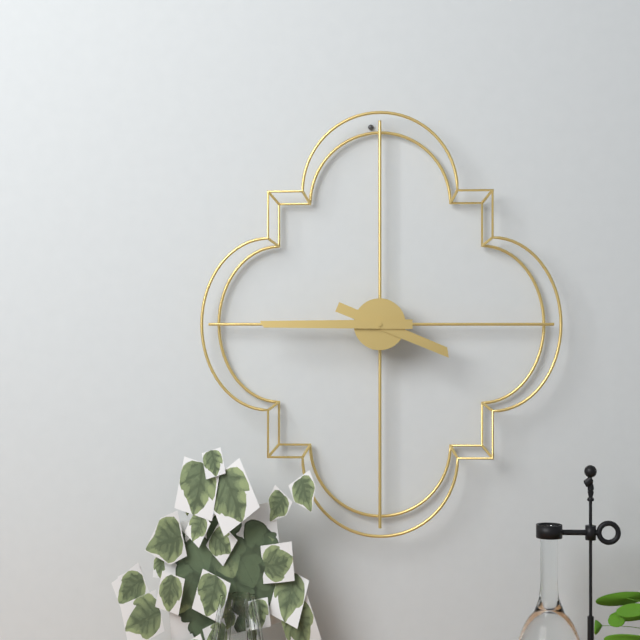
**3:45**
